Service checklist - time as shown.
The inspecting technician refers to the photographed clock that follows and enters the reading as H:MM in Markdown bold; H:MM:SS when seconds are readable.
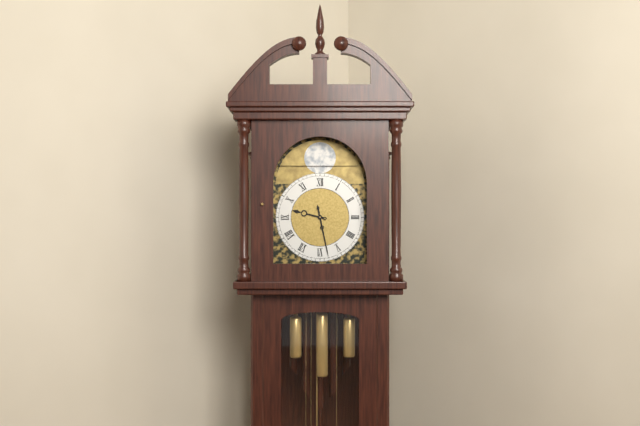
**9:28**
